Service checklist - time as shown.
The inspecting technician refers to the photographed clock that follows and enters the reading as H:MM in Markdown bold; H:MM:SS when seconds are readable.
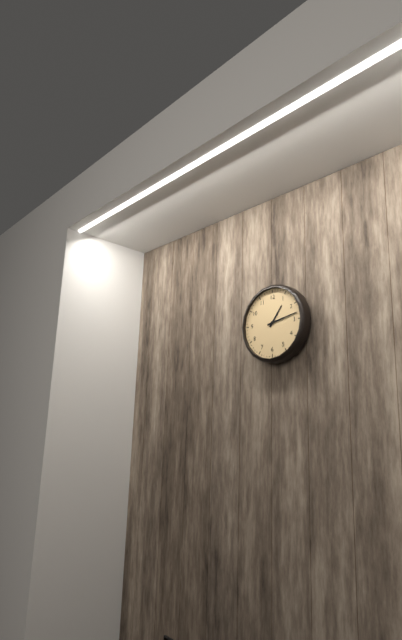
**1:13**
